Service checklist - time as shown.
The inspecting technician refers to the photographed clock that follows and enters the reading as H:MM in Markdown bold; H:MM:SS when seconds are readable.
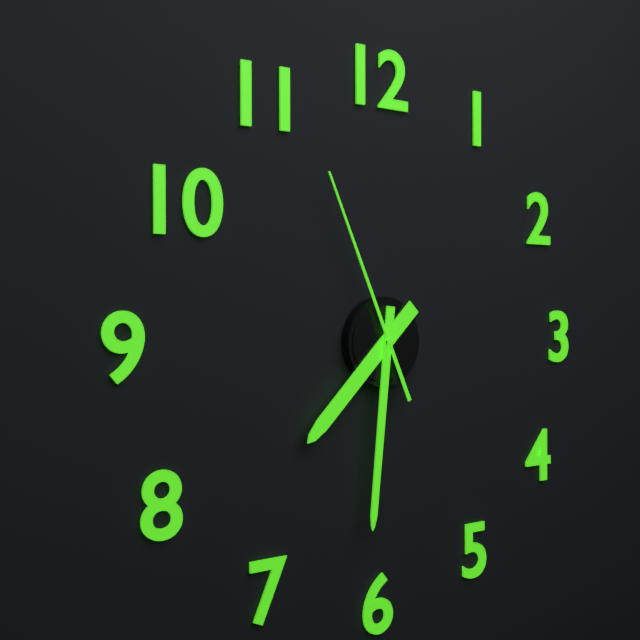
**7:31:56**
